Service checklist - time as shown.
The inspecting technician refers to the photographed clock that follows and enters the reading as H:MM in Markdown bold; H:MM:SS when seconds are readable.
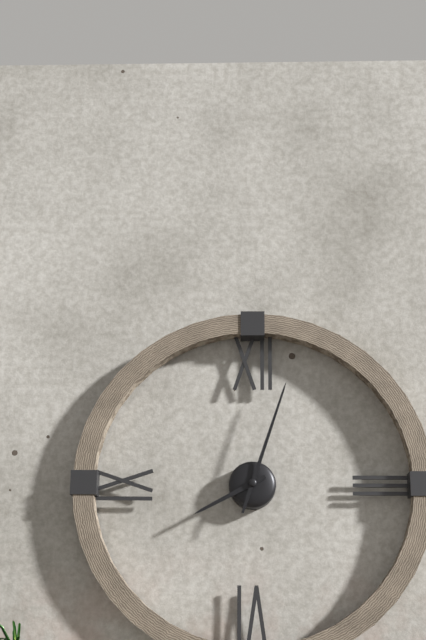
**8:03**
